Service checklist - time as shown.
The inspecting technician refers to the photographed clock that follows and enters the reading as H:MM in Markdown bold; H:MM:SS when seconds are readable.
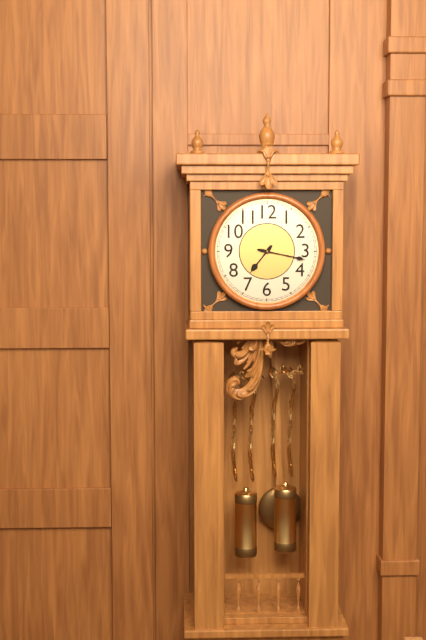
**7:17**
